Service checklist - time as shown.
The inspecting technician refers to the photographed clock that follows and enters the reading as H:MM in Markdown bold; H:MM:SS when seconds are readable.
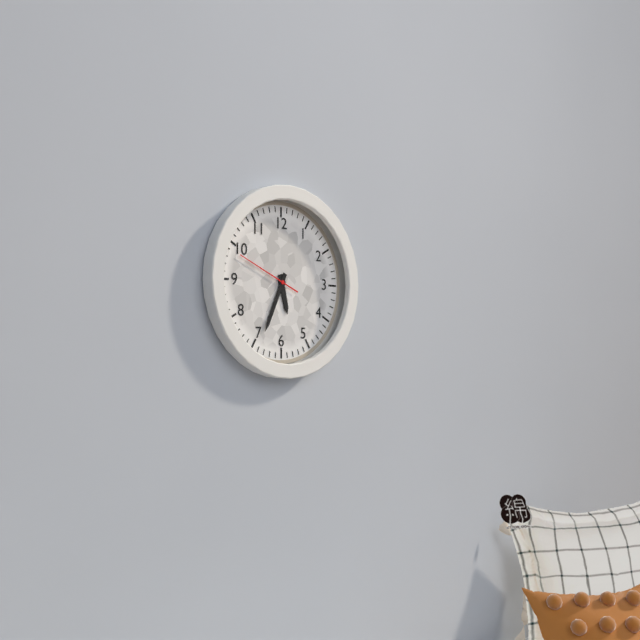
**5:34:49**
